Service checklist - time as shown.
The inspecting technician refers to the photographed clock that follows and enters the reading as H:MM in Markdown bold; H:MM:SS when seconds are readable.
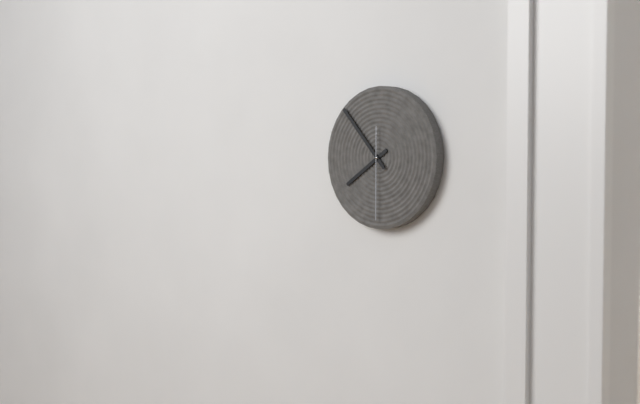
**7:53:30**
